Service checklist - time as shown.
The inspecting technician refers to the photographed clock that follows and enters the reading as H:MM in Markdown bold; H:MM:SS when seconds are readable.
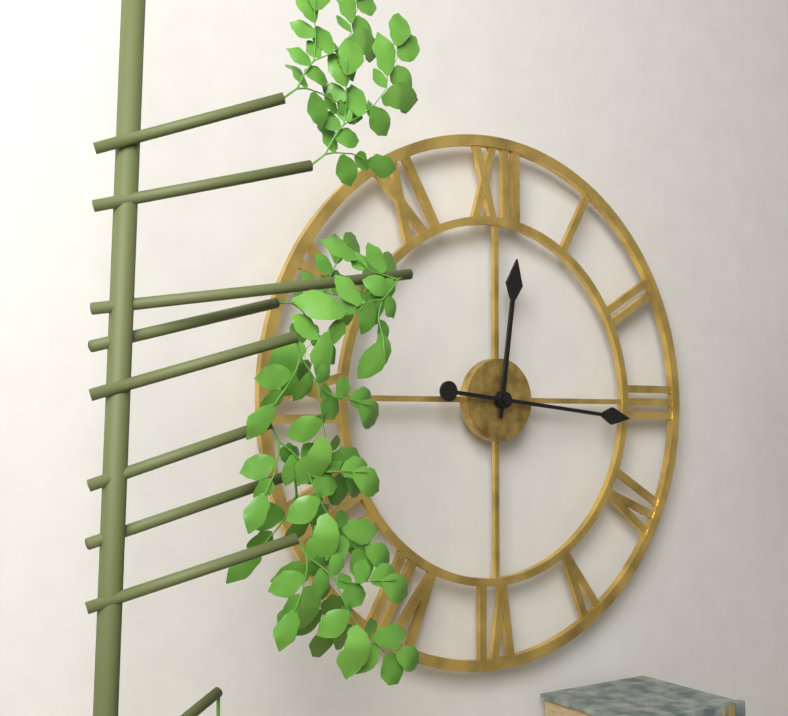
**12:16**
